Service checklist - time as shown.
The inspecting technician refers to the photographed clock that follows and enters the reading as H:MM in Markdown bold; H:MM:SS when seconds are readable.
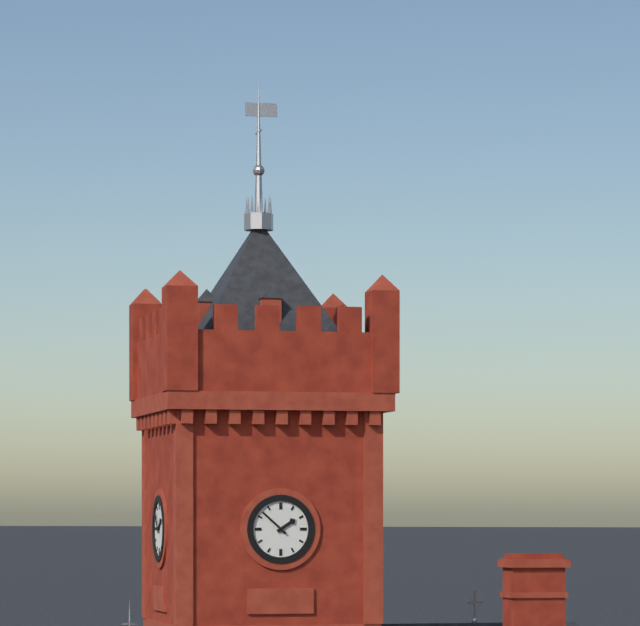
**1:52**
